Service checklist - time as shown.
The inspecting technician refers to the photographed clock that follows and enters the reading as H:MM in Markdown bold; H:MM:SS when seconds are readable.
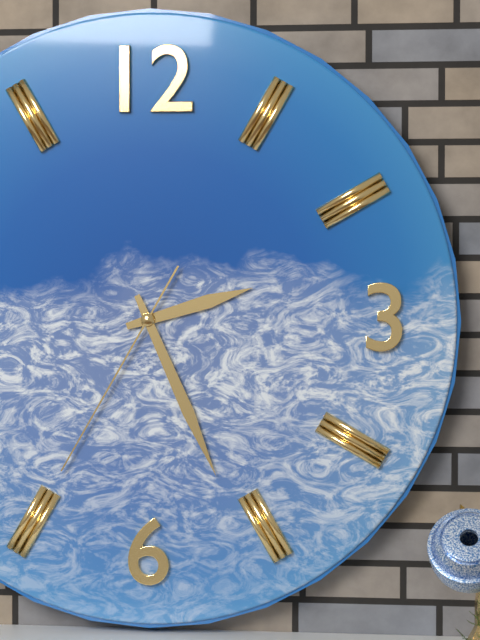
**2:26:35**
